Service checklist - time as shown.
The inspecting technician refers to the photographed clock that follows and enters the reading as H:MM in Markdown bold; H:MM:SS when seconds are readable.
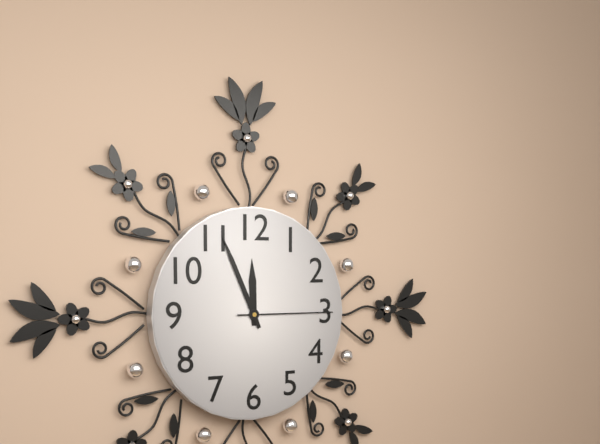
**11:56:15**
